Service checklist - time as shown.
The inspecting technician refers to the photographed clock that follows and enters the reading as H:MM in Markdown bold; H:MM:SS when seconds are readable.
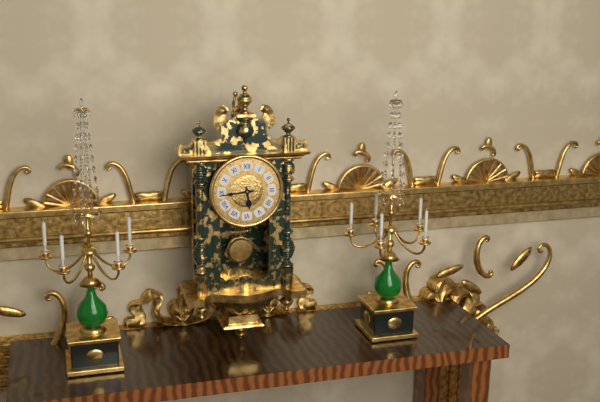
**5:44**
